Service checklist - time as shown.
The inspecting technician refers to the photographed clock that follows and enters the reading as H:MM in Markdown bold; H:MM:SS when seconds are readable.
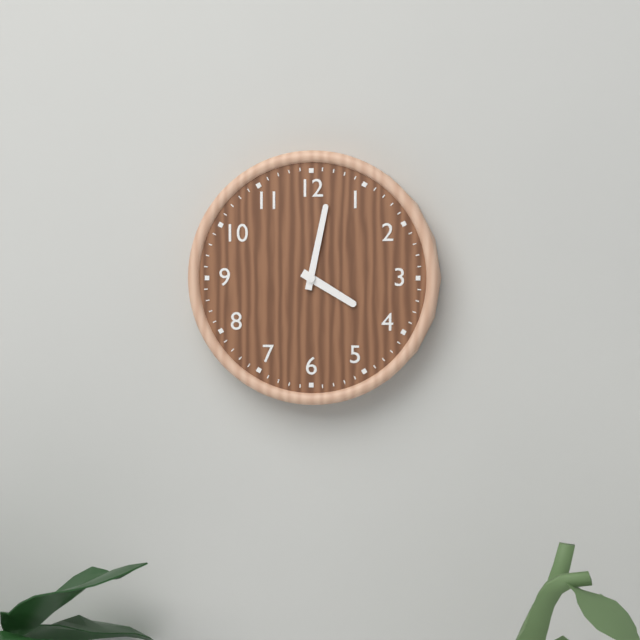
**4:02**
